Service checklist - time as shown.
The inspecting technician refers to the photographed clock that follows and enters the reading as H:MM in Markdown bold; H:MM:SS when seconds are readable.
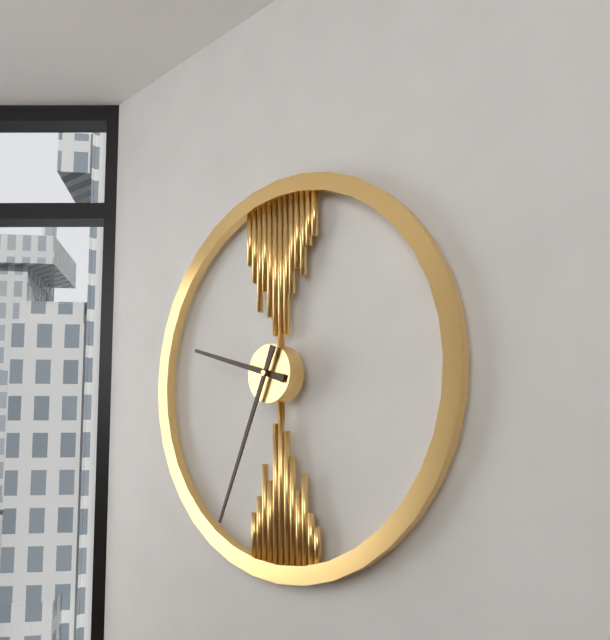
**9:34**
